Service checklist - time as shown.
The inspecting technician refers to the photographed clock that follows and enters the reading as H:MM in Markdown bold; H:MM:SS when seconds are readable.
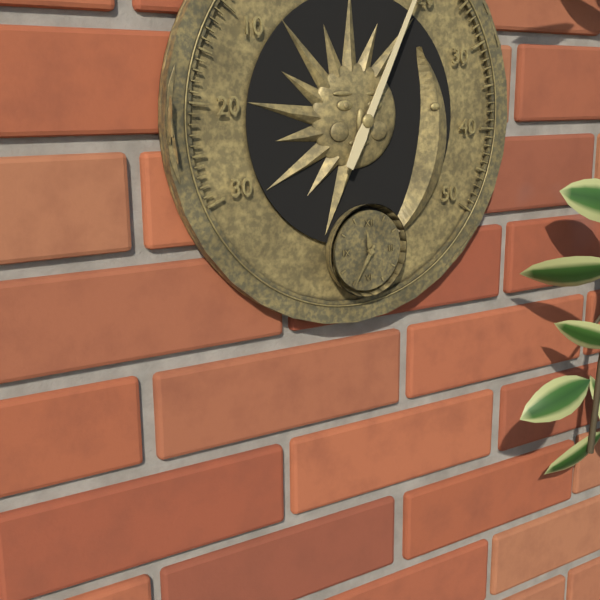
**11:35**
